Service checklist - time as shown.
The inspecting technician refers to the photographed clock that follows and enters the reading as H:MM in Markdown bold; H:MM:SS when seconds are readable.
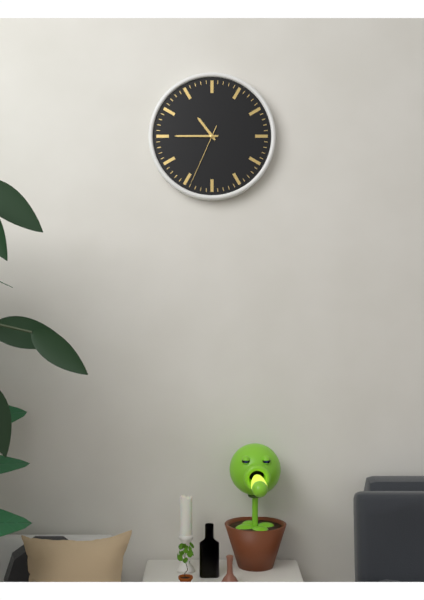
**10:45:34**
